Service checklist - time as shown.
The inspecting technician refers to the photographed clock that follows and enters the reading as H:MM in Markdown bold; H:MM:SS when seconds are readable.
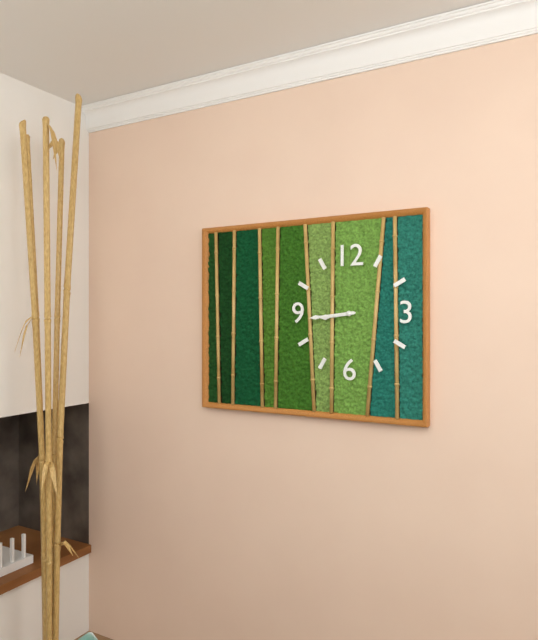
**8:44**
